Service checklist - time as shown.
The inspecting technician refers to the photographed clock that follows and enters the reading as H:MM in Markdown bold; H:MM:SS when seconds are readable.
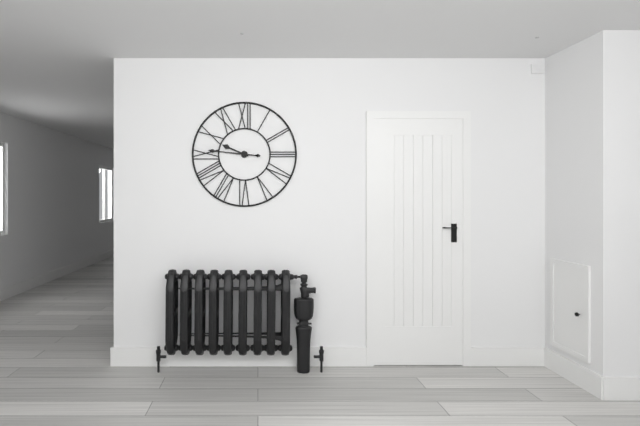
**9:46**
